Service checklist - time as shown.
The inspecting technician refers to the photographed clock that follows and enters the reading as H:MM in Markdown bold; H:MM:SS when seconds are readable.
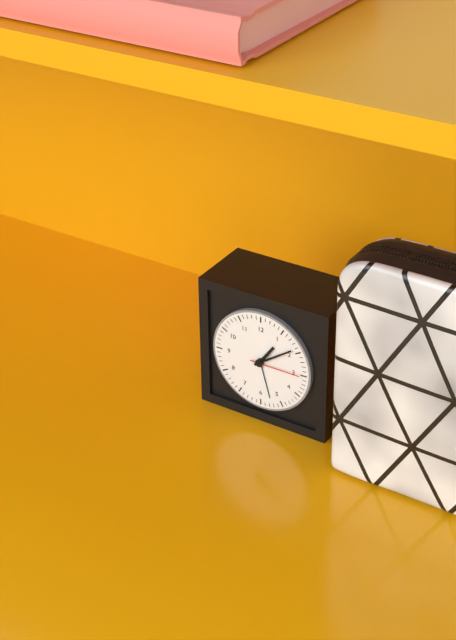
**1:09:15**
